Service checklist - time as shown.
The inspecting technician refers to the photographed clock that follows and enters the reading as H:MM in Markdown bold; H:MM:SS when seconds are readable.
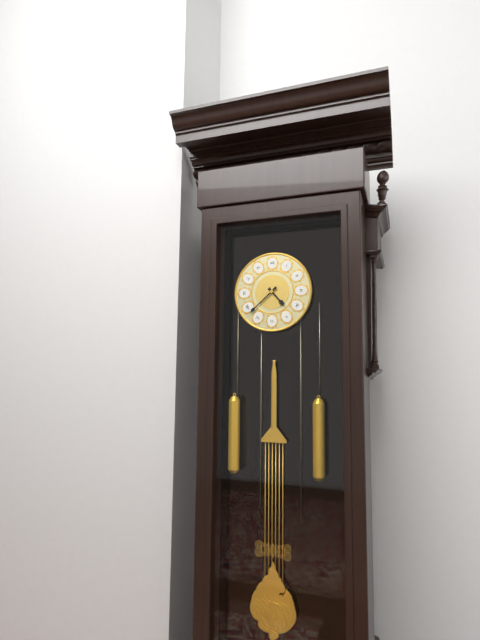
**4:38**
